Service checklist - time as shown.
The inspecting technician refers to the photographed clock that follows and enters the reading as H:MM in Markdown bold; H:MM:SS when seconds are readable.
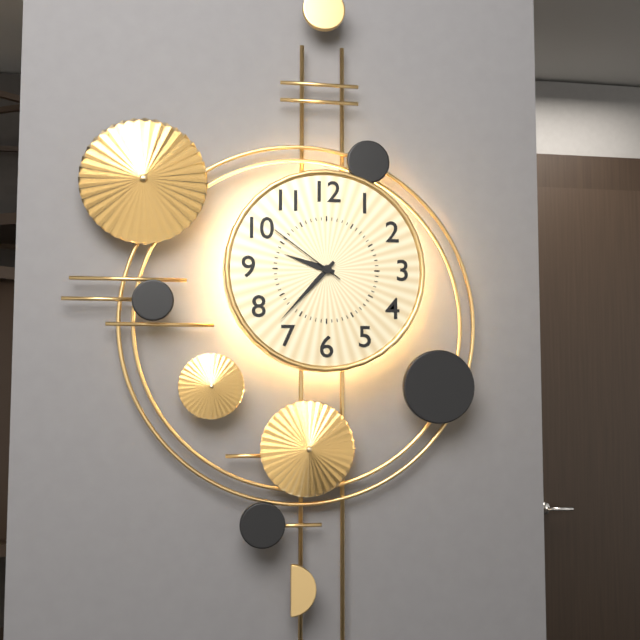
**9:37:51**
